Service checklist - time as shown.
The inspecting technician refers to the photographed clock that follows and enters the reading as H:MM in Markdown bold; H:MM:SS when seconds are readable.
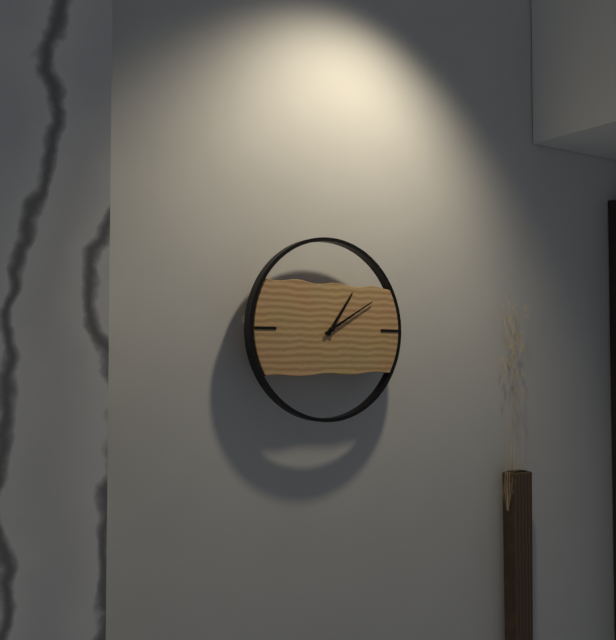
**1:10**
